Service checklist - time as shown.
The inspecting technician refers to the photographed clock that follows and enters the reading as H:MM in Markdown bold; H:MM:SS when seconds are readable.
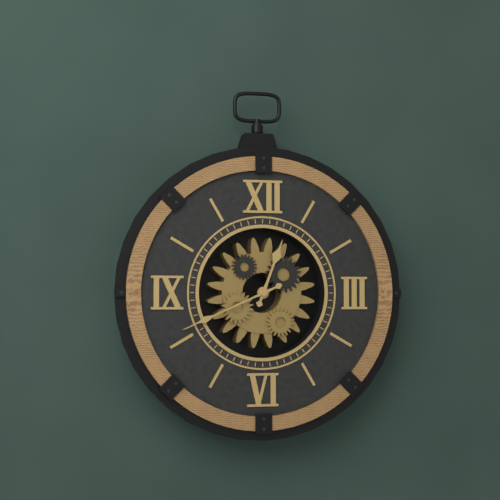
**12:41**
